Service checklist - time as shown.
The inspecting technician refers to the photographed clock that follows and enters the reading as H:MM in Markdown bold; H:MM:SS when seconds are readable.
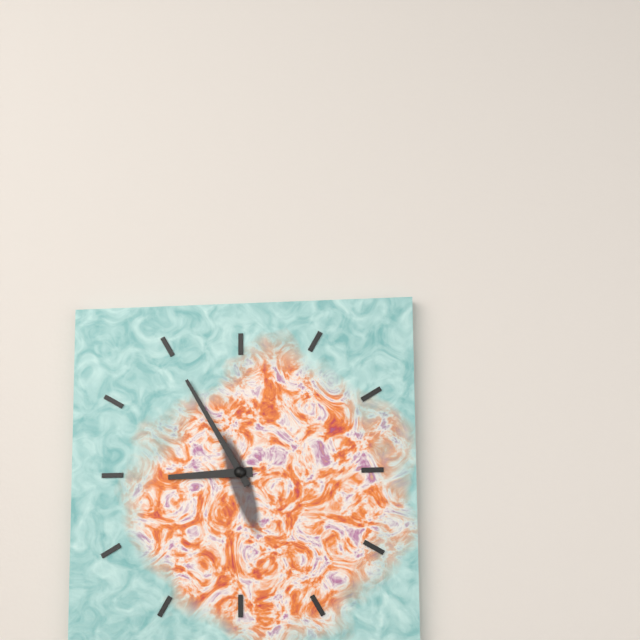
**8:55**
